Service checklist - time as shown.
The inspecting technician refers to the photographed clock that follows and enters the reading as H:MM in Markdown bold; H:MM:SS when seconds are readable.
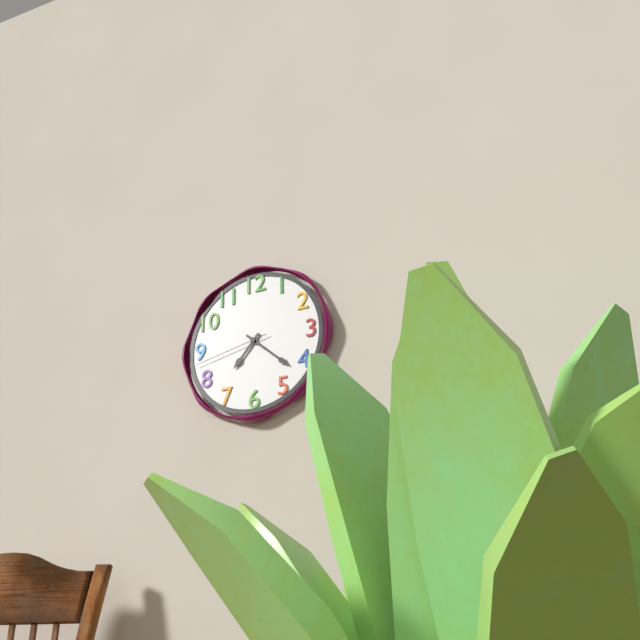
**7:22:43**
